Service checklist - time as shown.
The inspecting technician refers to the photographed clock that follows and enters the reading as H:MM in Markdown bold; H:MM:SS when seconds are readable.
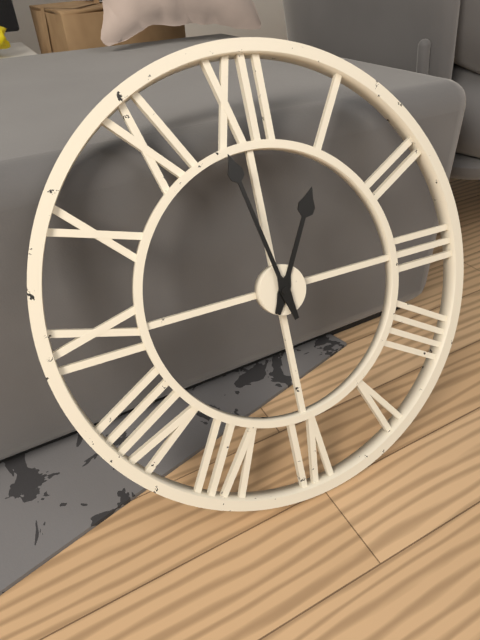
**12:58**
